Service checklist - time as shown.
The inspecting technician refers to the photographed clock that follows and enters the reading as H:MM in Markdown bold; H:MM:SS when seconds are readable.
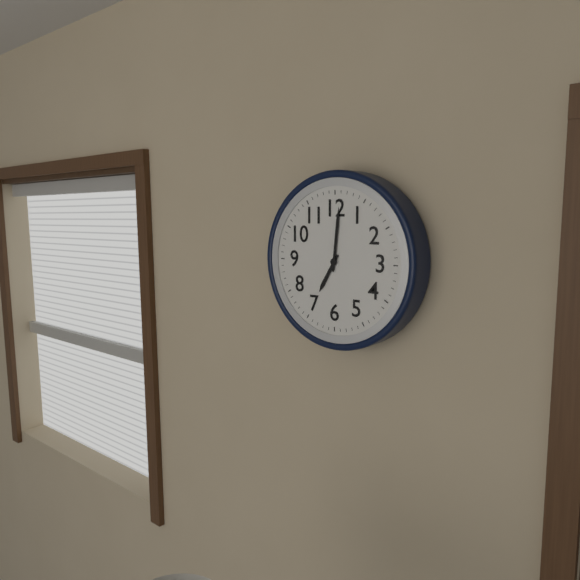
**7:01**
